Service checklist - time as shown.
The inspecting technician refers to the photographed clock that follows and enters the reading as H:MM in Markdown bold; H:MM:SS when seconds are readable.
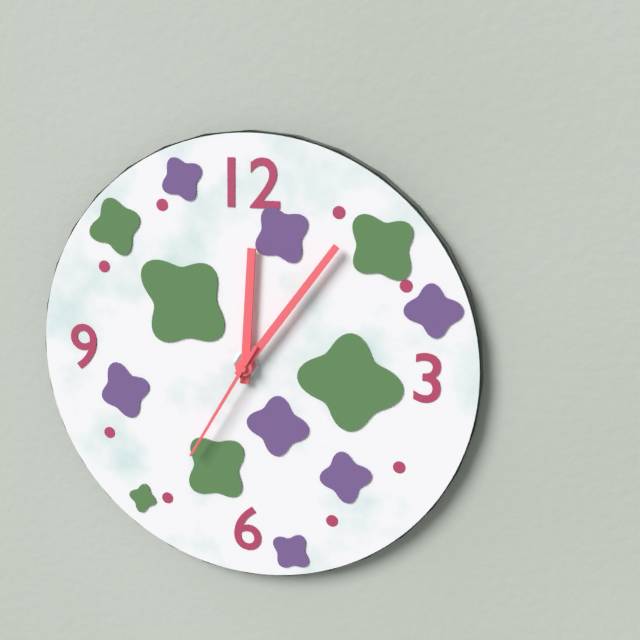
**12:06:35**
